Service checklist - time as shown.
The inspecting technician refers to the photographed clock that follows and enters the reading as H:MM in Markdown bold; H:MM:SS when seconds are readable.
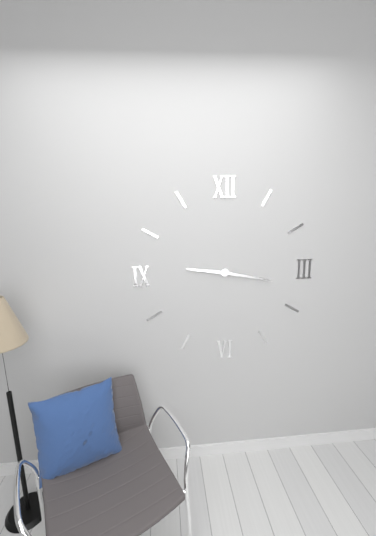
**9:17**
